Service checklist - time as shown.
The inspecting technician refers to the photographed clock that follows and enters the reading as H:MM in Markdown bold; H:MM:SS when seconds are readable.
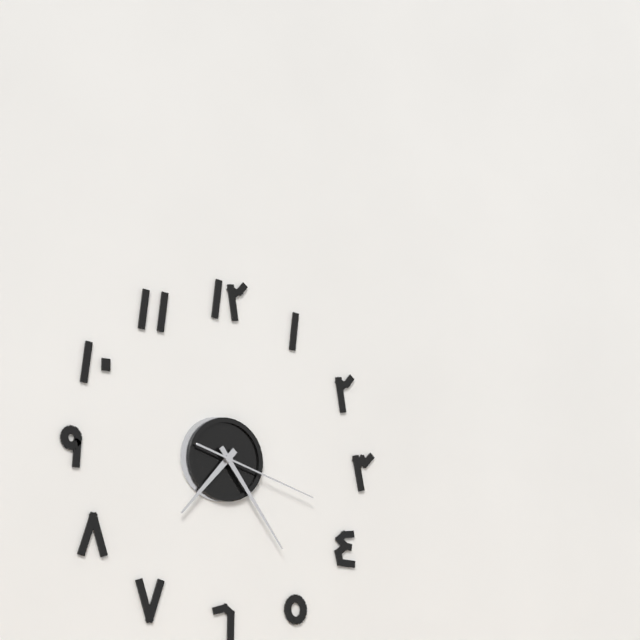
**7:24:18**
